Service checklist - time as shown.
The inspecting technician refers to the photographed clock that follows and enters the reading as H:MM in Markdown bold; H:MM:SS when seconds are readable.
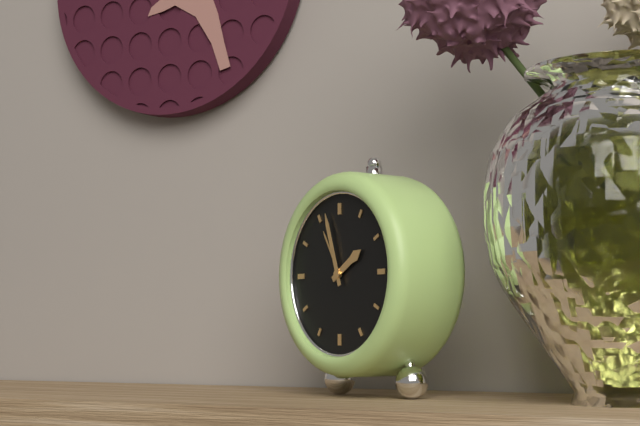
**1:57**
